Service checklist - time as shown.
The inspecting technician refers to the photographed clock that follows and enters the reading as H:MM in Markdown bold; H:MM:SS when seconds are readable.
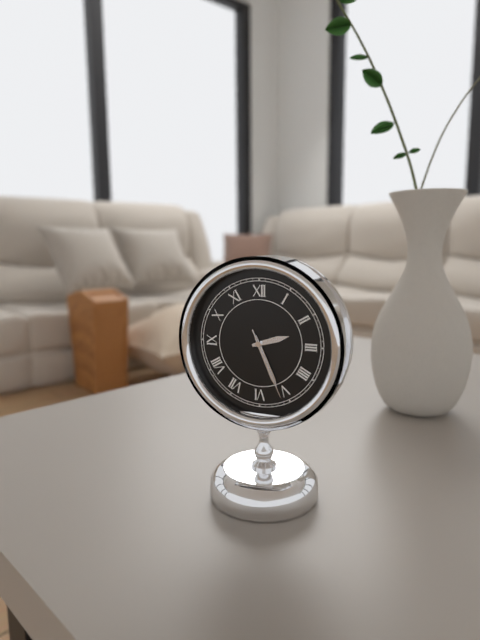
**2:26:26**
